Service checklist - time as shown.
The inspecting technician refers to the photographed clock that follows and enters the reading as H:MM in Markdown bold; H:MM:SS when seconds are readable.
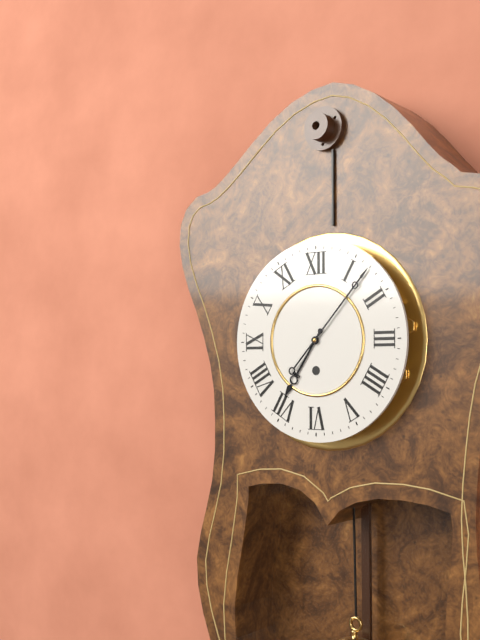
**7:07**
